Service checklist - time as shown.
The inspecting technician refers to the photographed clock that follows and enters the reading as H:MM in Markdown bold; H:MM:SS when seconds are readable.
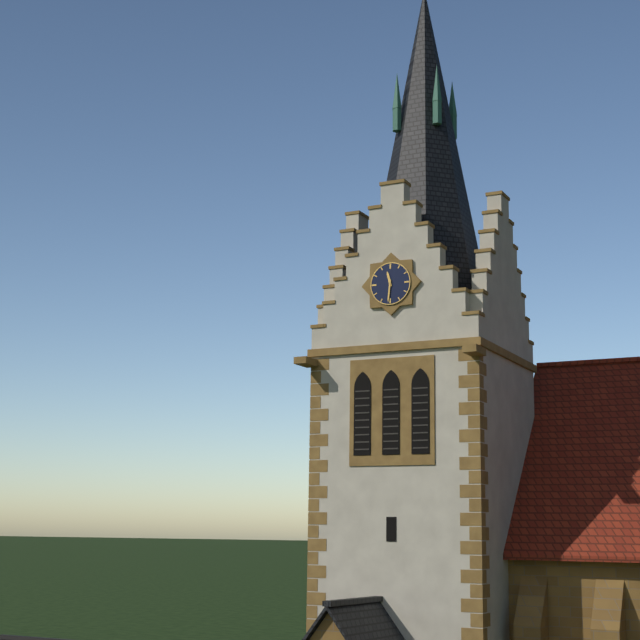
**11:31**
